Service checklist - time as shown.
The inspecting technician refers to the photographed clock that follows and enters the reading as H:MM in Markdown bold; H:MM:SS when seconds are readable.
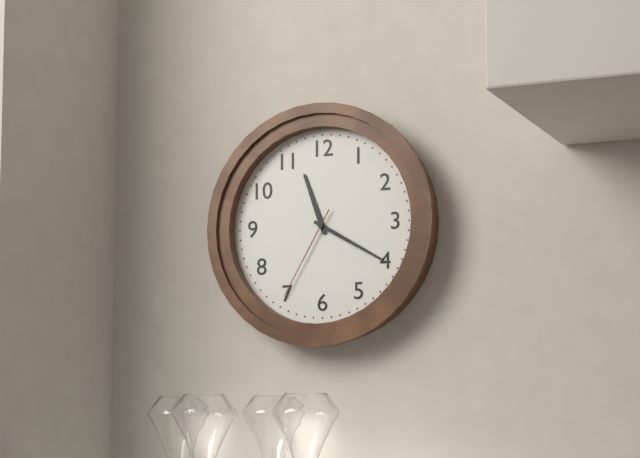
**11:20:35**
